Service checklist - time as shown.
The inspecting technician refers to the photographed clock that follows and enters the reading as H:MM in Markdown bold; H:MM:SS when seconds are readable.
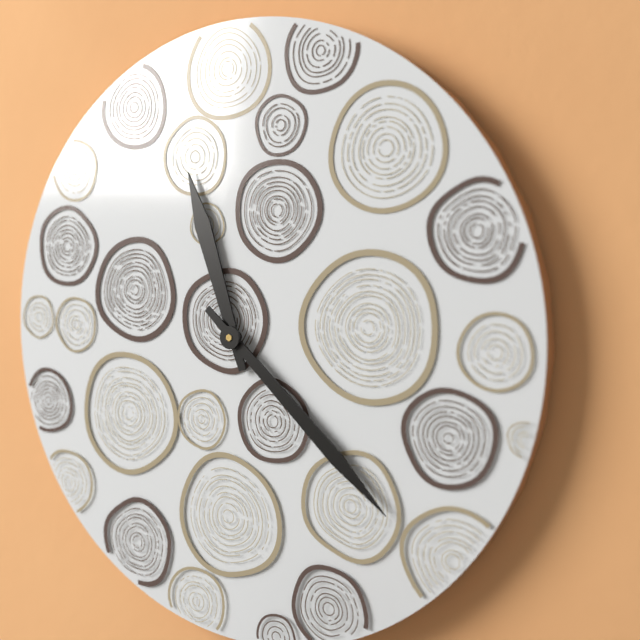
**11:22**
